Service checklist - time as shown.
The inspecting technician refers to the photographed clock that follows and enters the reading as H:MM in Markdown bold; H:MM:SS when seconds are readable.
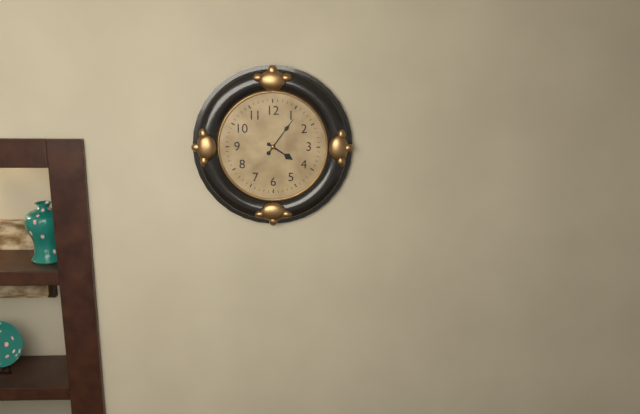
**4:06**
